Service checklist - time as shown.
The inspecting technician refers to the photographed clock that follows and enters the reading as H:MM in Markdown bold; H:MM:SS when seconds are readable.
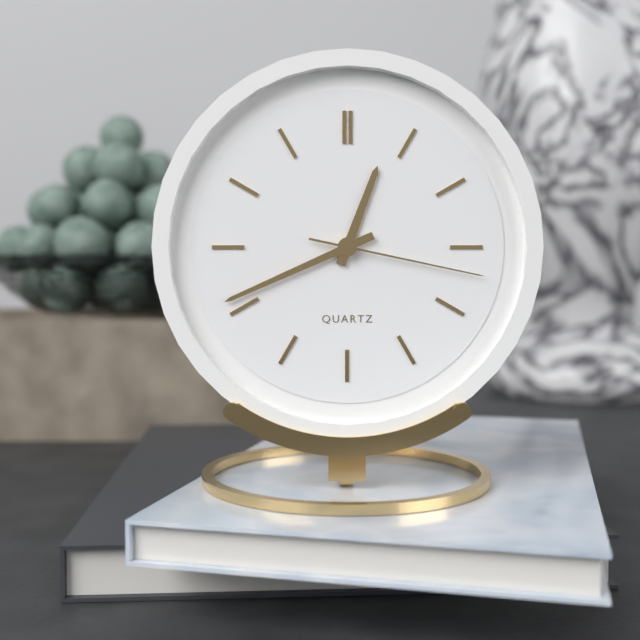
**12:41:17**
